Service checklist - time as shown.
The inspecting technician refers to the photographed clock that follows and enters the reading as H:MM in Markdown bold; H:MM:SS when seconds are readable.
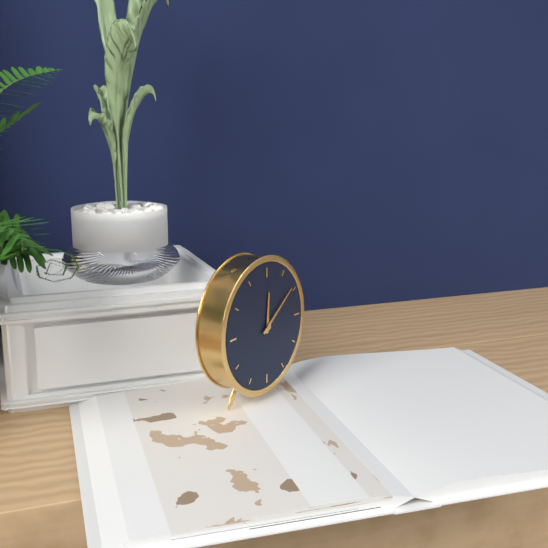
**12:09**
